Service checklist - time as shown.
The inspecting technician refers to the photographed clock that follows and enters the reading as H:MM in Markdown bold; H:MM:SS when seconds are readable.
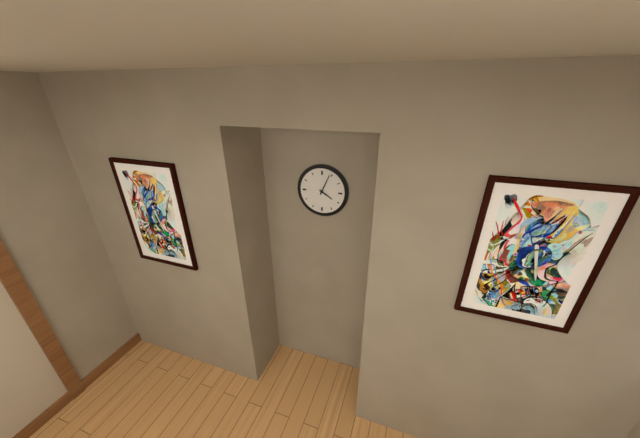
**4:04**
